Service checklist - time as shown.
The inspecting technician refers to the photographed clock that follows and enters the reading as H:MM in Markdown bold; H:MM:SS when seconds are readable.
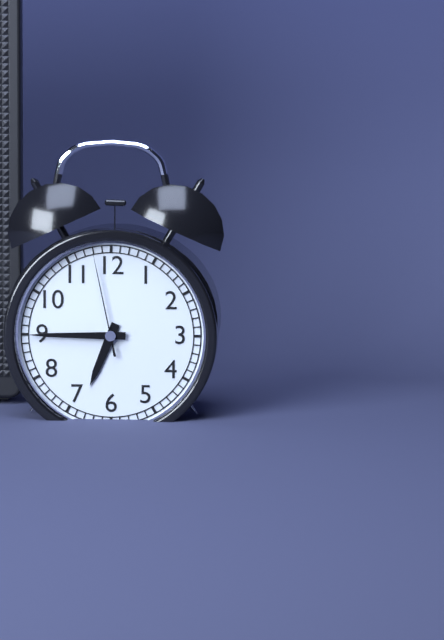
**6:45:58**
